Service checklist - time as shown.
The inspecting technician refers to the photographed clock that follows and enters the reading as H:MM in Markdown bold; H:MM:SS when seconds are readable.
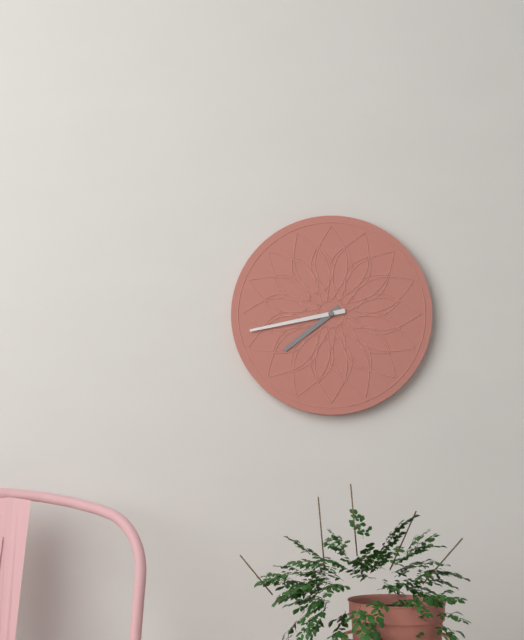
**7:43**
